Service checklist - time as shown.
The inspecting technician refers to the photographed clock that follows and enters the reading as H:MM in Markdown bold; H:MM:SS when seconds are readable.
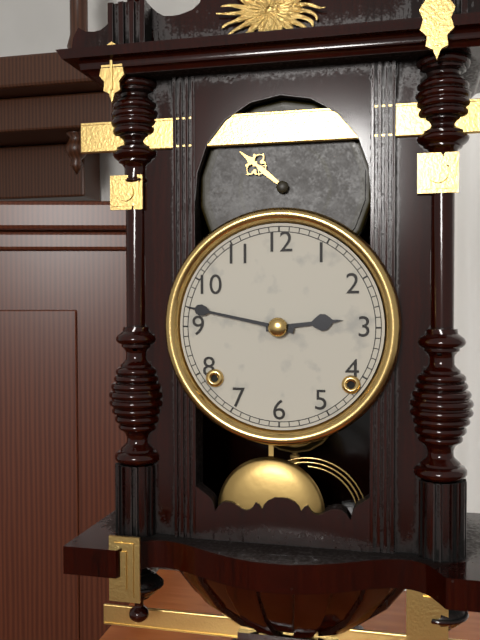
**2:47**
